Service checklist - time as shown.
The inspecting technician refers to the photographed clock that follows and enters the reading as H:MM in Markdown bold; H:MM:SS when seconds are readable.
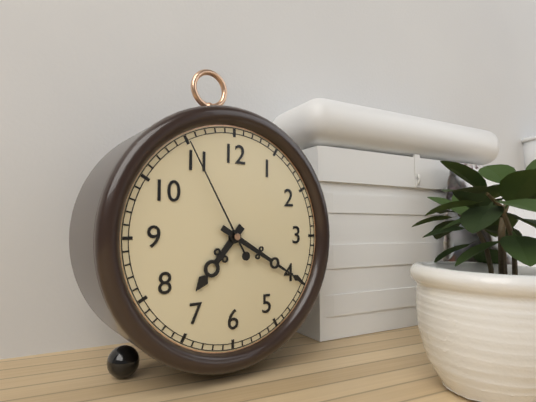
**7:20:55**
